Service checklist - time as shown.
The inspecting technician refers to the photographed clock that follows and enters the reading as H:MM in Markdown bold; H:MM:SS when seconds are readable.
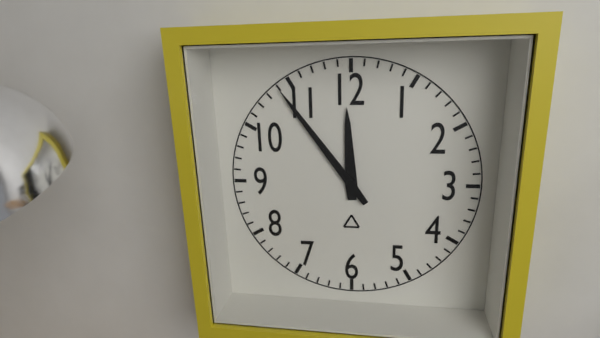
**11:54**
